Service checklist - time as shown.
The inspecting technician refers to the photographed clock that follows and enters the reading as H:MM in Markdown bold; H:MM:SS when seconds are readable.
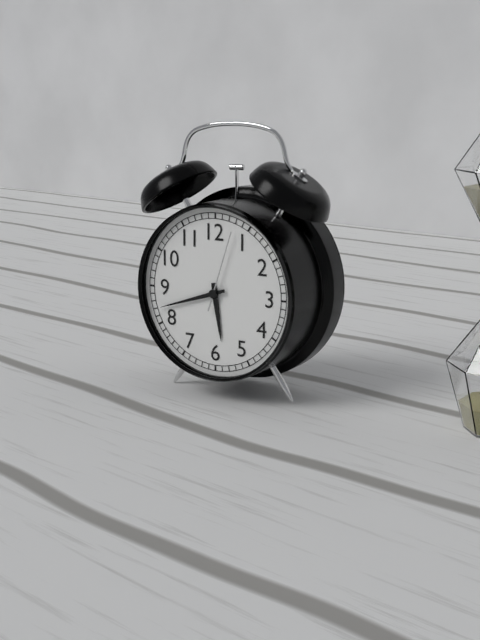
**5:42:03**
